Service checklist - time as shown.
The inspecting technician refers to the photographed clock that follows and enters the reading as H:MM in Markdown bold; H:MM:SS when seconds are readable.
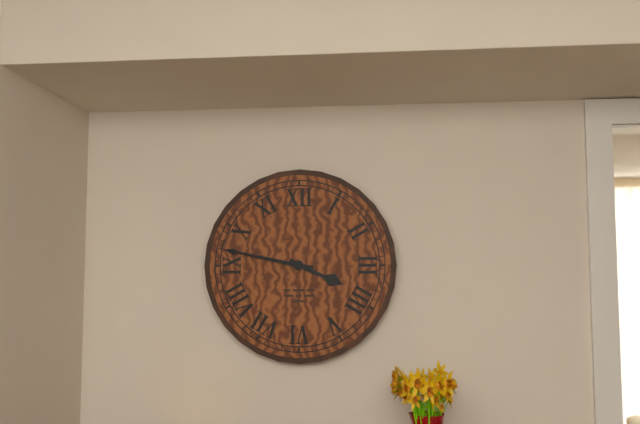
**3:47**
